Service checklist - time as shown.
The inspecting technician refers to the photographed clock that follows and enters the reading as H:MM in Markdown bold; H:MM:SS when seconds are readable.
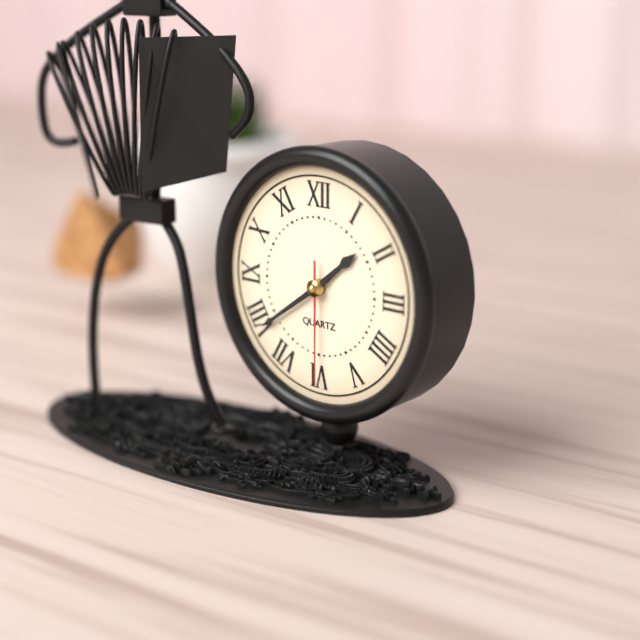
**1:39:30**
